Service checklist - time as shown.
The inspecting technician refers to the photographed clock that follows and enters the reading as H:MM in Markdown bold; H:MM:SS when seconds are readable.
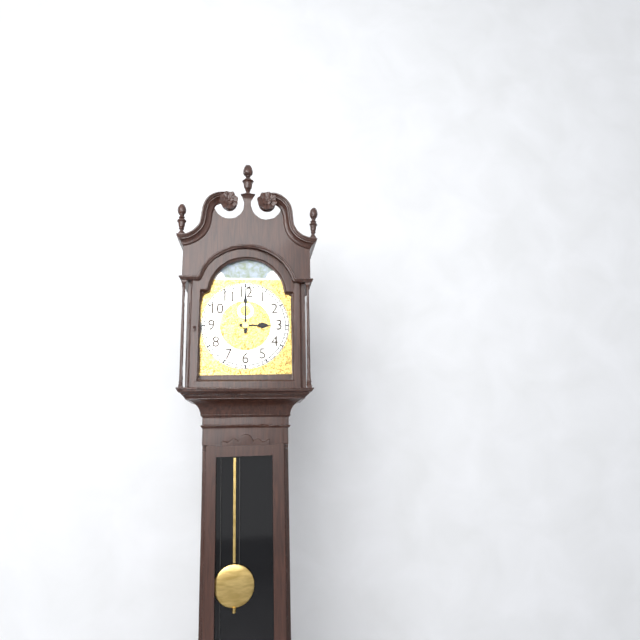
**3:00**
